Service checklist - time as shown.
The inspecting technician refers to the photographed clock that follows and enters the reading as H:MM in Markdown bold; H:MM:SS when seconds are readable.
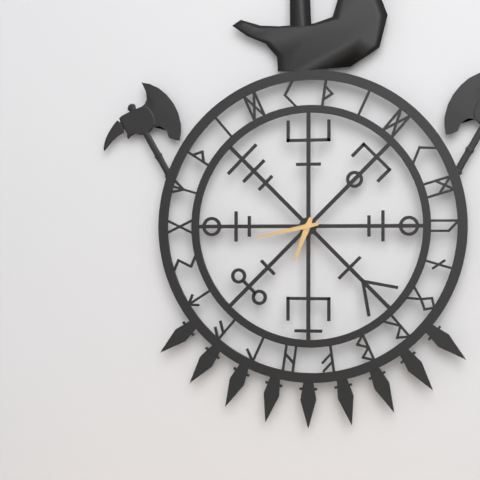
**6:43**
